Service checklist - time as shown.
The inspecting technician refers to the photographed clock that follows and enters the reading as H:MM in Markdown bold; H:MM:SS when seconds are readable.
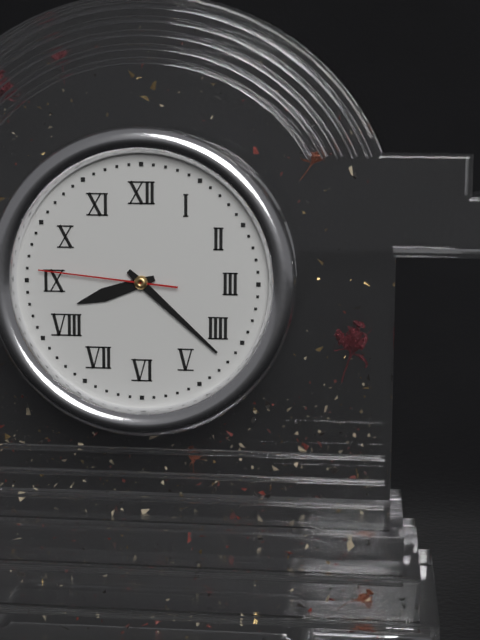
**8:22:46**
